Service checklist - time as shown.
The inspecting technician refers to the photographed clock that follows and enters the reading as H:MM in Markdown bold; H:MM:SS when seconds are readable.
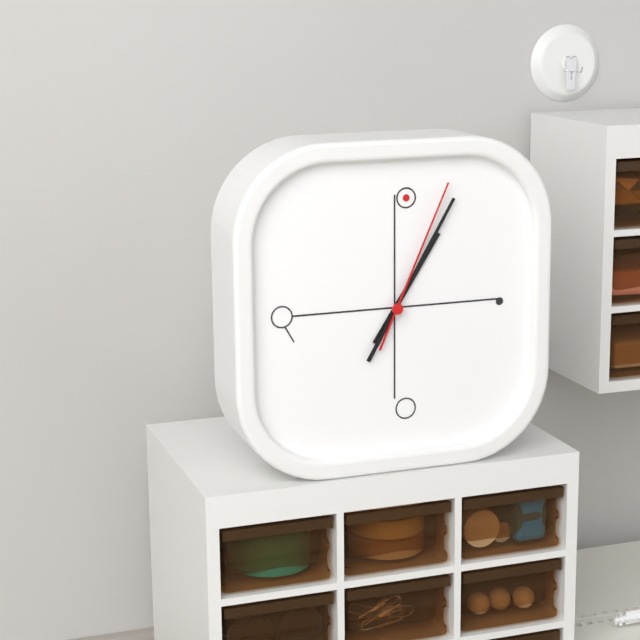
**1:05:04**
